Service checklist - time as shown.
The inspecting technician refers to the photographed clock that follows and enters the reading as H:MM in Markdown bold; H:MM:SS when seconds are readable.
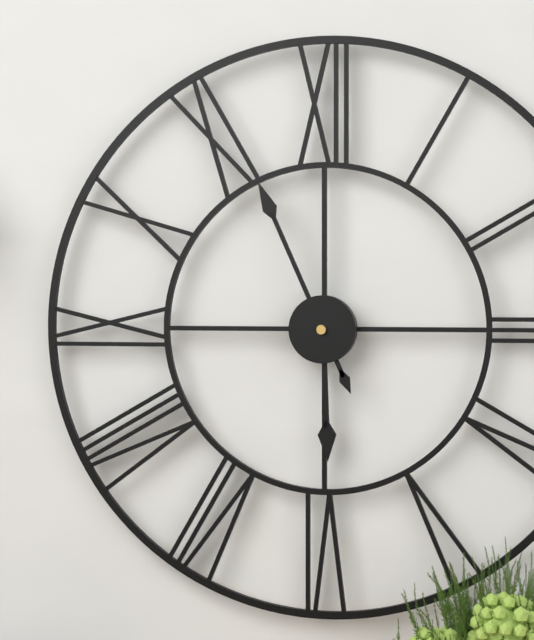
**5:56**
